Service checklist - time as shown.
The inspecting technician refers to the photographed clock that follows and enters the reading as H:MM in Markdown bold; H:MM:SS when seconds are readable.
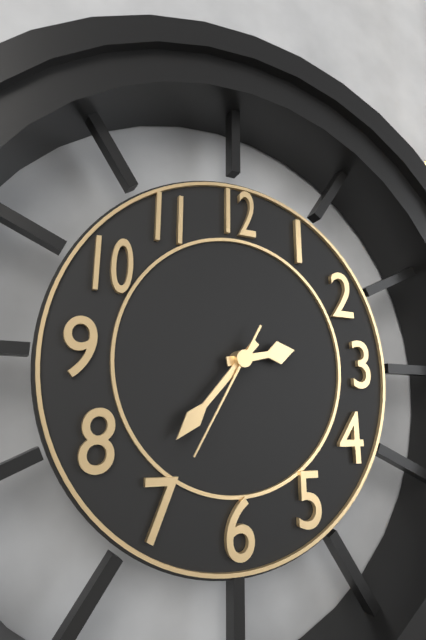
**2:37:35**
